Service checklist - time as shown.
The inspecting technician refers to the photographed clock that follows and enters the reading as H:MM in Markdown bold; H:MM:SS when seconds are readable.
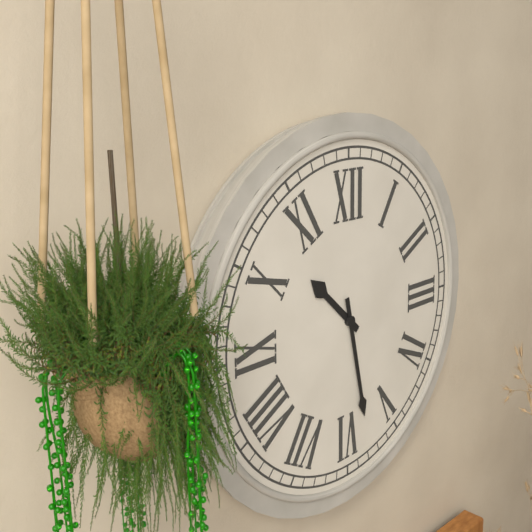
**10:28**
